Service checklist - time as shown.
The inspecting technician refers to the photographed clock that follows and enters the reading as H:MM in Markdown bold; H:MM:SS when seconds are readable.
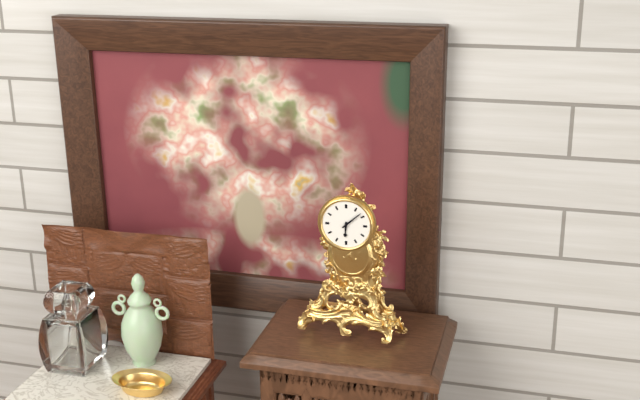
**6:08**
